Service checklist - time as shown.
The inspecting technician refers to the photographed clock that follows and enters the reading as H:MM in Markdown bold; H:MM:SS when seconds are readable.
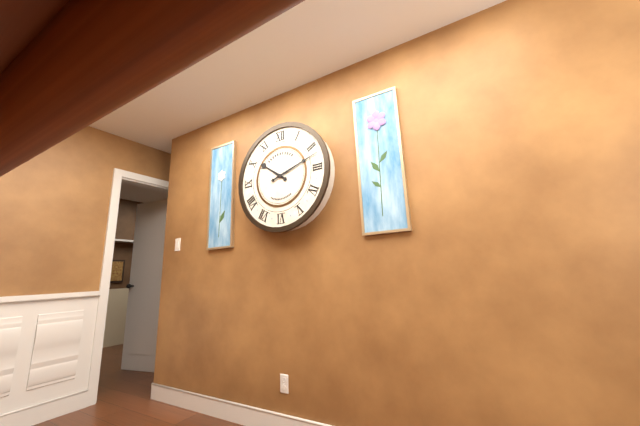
**10:12**
